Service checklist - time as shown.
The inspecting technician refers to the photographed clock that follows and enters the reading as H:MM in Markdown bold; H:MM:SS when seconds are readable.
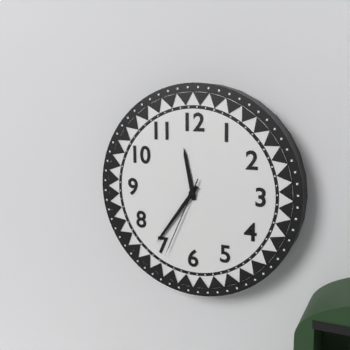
**11:36:34**
